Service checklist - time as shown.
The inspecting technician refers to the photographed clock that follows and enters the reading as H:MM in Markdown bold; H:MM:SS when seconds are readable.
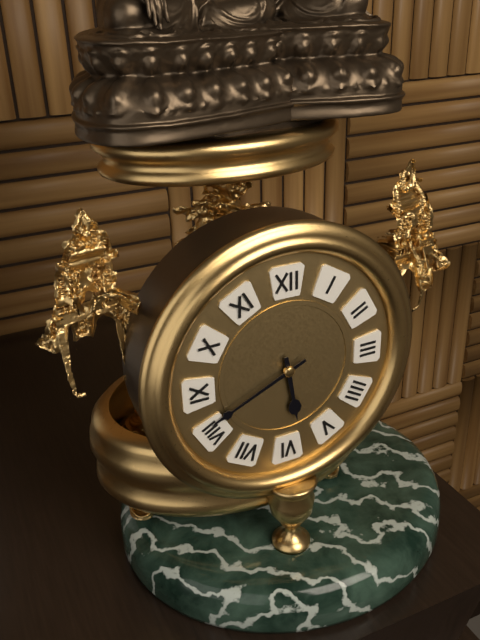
**5:41**
